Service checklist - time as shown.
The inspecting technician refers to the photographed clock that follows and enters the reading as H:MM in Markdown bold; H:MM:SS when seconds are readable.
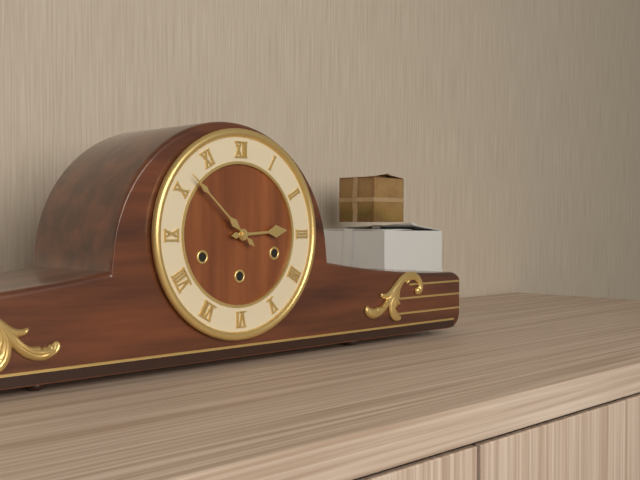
**2:52**
